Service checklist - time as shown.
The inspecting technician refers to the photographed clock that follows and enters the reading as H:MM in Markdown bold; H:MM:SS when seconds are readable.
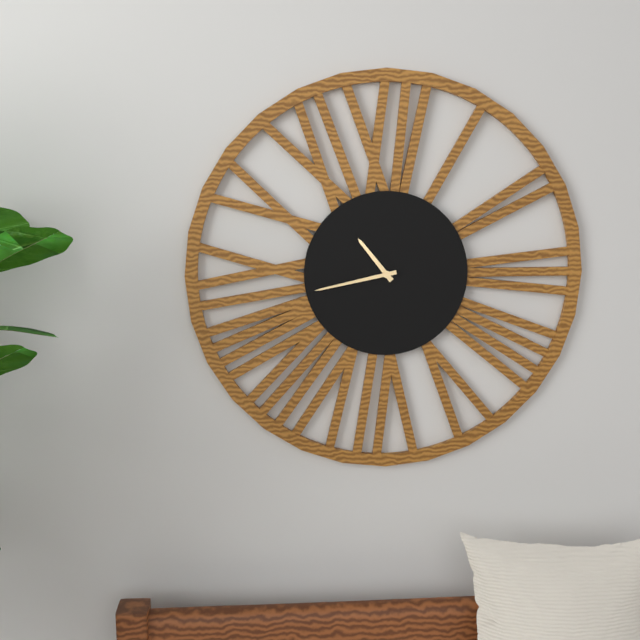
**10:43**
